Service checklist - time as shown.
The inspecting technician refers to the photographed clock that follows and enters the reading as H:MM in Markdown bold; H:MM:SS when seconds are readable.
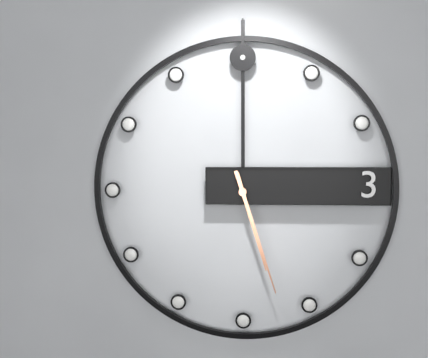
**5:27**
